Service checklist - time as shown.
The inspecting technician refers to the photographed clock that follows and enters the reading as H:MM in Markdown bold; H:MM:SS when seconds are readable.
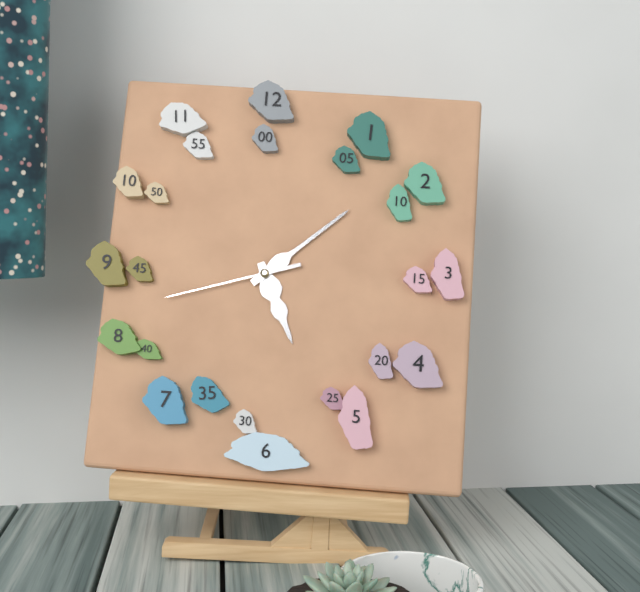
**5:08:42**
